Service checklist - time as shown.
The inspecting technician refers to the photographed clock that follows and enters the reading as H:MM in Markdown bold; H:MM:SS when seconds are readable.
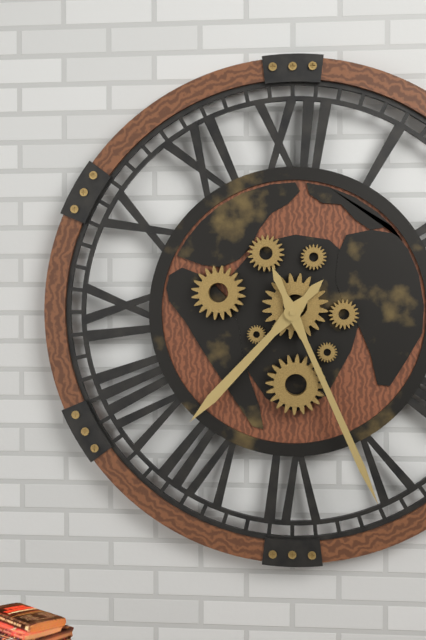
**7:26**
